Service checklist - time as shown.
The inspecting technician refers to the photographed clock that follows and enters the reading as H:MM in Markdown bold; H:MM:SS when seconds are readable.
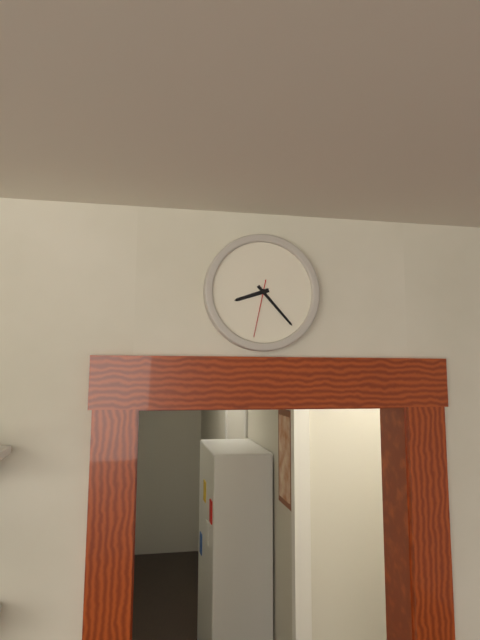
**8:23:32**
